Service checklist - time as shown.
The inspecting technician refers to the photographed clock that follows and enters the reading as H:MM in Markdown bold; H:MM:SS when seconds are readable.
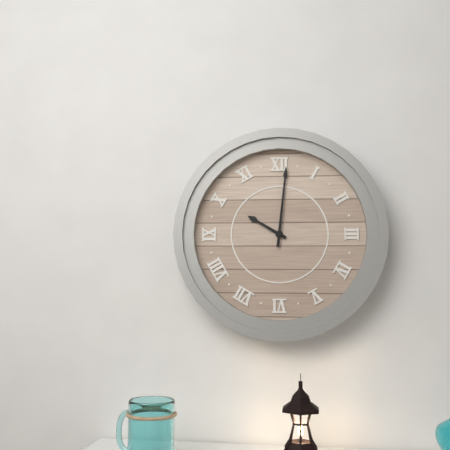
**10:01**
